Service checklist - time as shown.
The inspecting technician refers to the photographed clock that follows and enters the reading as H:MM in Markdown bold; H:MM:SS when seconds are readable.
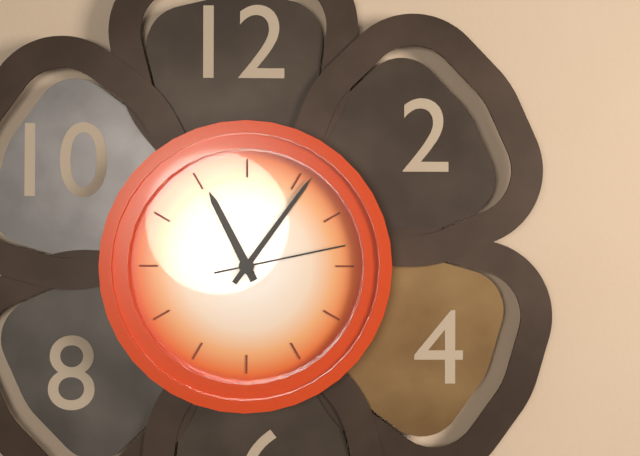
**11:06:13**
